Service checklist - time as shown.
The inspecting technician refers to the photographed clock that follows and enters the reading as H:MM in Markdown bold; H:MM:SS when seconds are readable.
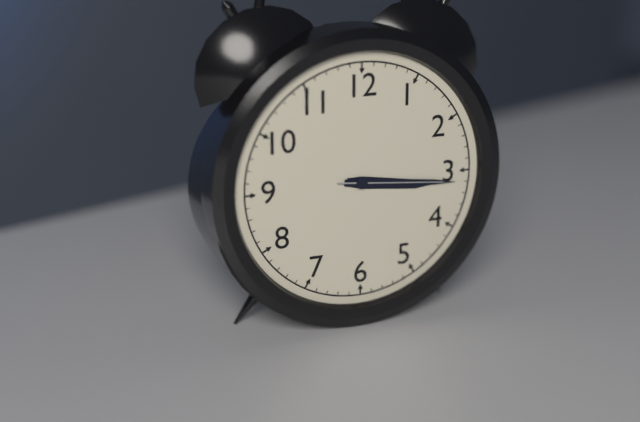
**3:16:16**
